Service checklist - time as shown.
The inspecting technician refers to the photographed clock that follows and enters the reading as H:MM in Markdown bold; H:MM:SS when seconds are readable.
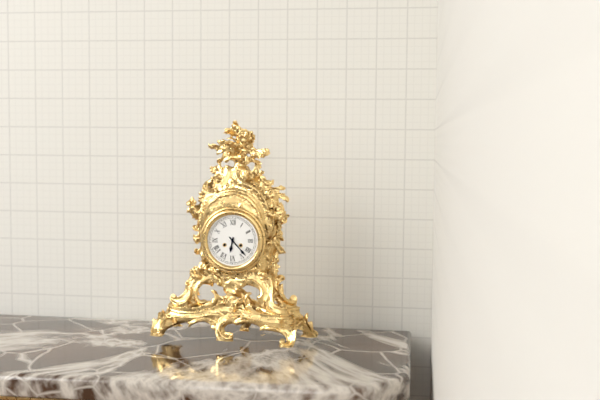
**6:23**
